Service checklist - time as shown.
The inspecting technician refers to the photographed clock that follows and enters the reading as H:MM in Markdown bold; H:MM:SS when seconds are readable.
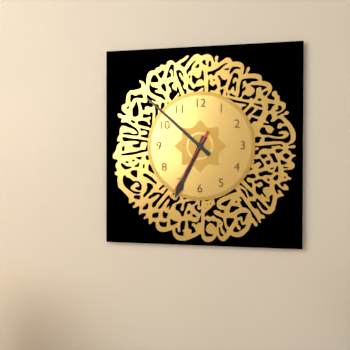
**6:52:35**
